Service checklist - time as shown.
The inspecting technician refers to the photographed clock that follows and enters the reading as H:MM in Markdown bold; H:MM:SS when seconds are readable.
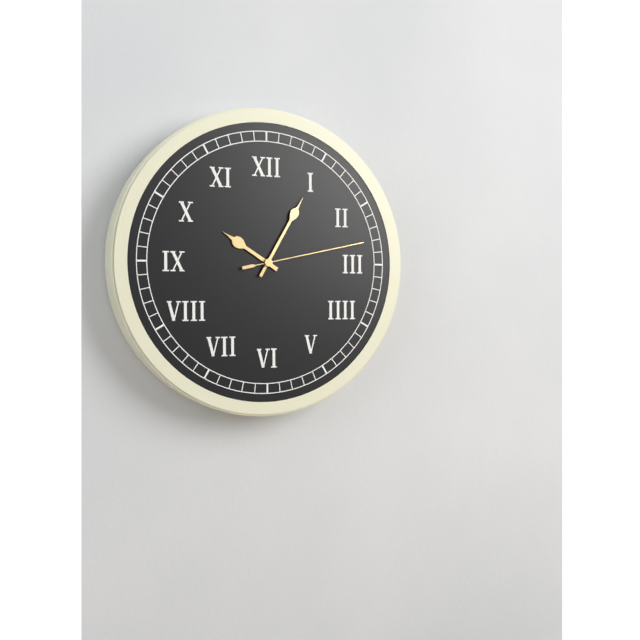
**10:05:13**
